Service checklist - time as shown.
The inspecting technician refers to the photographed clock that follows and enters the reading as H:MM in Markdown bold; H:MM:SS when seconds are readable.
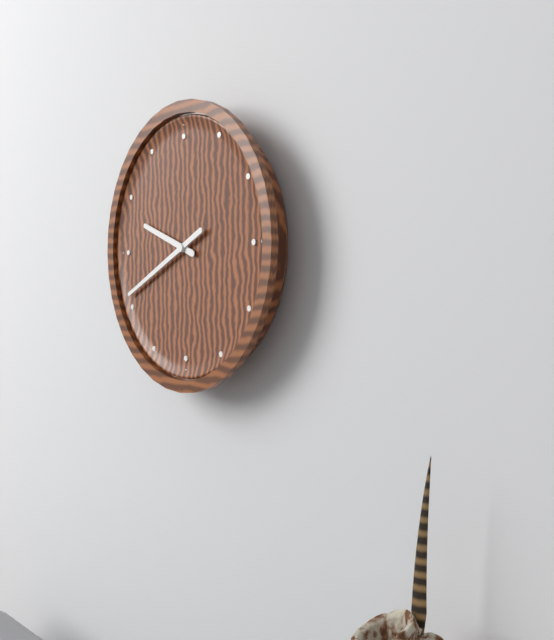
**9:41**
